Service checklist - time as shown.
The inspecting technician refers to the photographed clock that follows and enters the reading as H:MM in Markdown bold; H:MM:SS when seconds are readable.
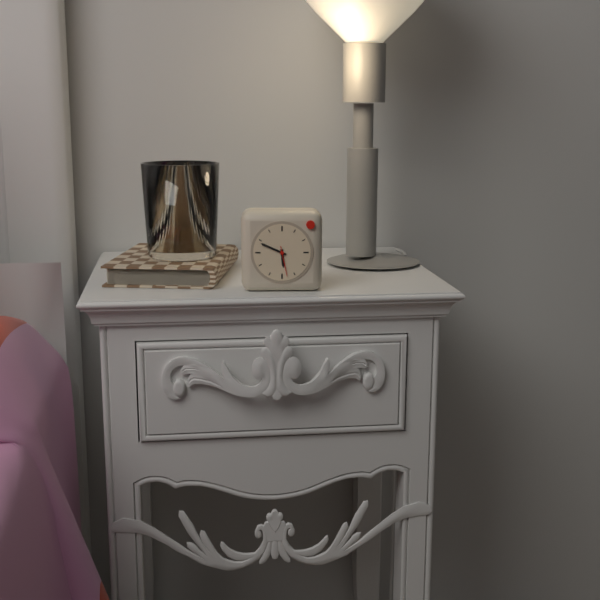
**5:49**
